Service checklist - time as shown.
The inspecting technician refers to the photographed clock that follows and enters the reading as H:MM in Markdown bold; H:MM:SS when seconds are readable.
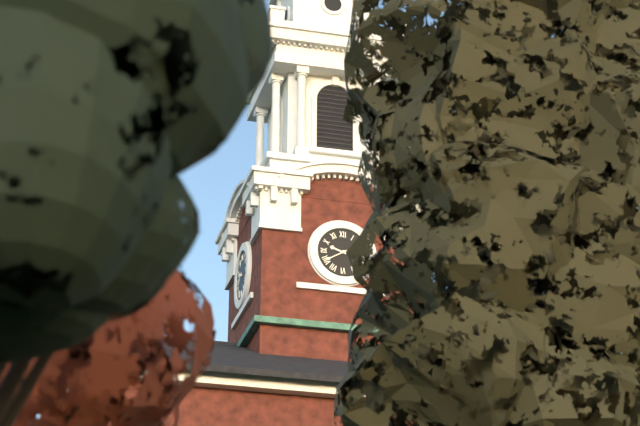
**9:40**
